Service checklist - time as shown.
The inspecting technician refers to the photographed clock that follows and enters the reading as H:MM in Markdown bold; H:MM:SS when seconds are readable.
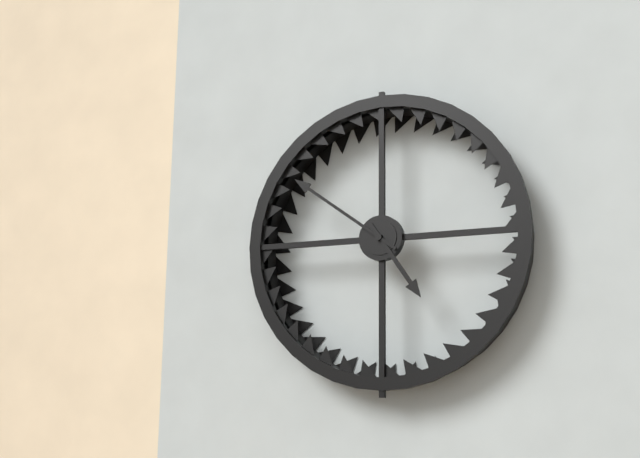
**4:51**
